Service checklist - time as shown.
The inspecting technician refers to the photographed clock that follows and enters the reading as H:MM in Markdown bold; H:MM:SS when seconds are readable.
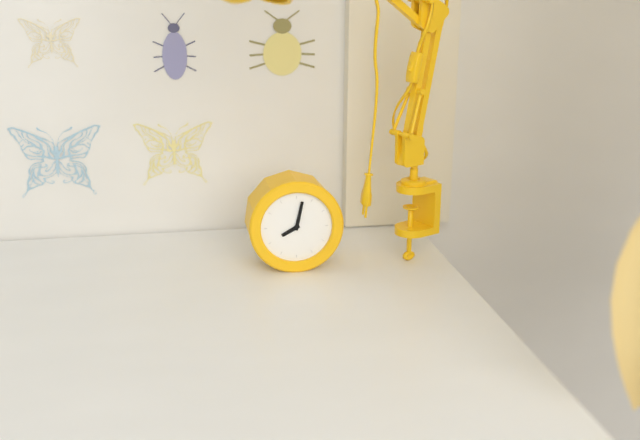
**8:02**
